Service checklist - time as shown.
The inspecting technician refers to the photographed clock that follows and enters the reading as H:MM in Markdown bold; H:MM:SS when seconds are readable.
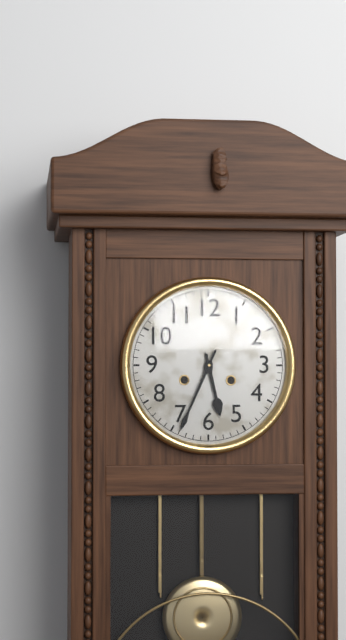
**5:34**
